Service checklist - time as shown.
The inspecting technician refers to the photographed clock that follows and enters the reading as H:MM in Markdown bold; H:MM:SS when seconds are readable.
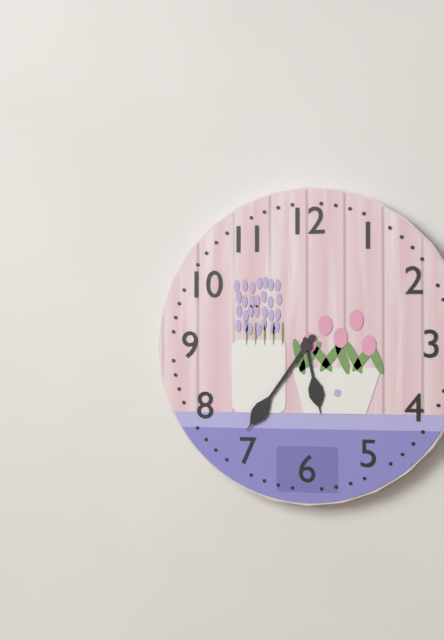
**5:36**
